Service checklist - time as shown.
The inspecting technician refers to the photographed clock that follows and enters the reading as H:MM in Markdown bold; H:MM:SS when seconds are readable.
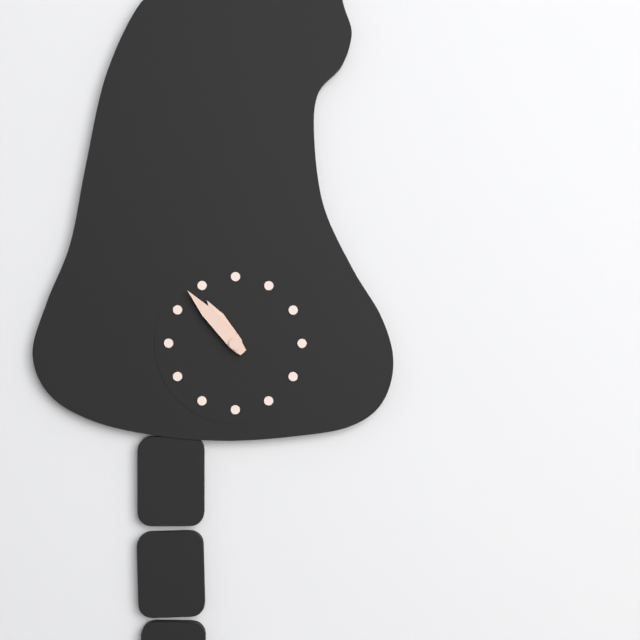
**10:53**
